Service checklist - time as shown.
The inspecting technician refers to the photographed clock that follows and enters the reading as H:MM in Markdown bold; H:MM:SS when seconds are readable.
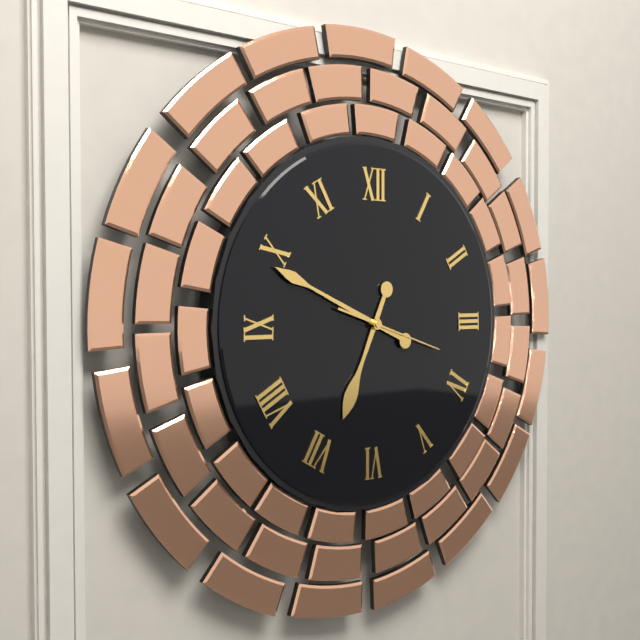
**6:49:18**
